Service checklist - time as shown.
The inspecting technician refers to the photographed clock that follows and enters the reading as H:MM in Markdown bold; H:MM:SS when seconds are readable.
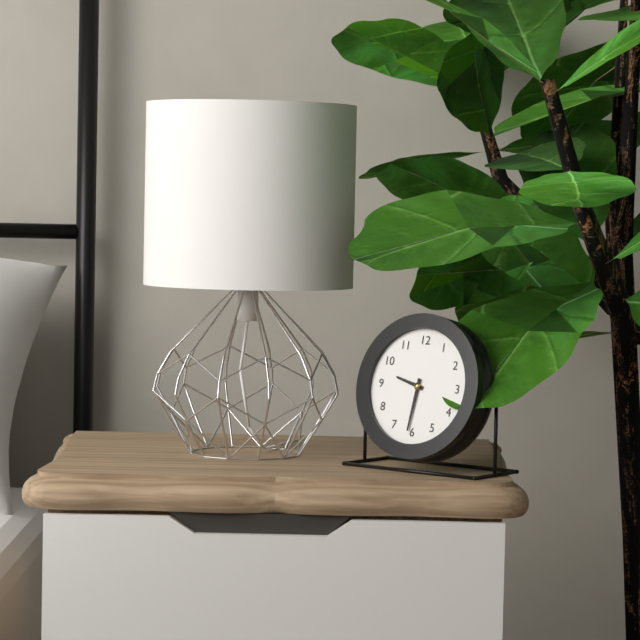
**9:31**
